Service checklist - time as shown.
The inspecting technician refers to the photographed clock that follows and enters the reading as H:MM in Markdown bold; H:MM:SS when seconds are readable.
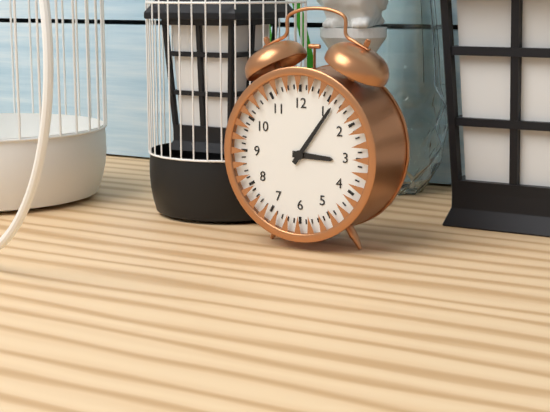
**3:06**
